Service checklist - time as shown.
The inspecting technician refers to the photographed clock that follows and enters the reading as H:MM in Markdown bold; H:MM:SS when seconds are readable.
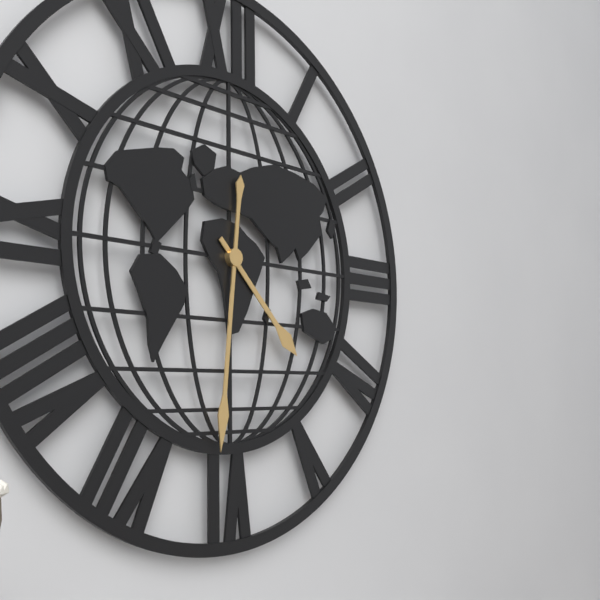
**4:31**
